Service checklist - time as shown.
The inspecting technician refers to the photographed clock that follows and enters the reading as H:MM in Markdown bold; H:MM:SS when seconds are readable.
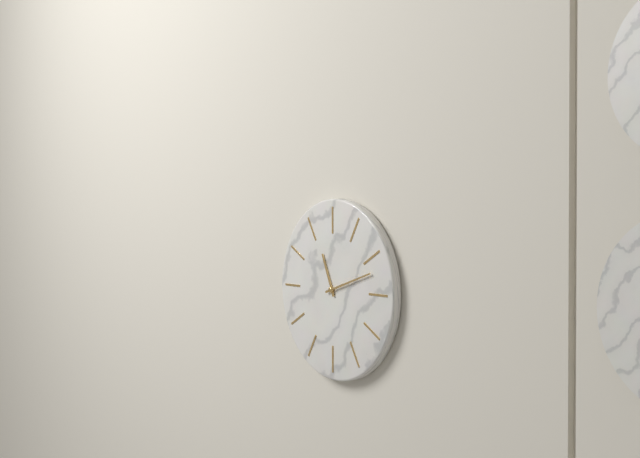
**11:12**
